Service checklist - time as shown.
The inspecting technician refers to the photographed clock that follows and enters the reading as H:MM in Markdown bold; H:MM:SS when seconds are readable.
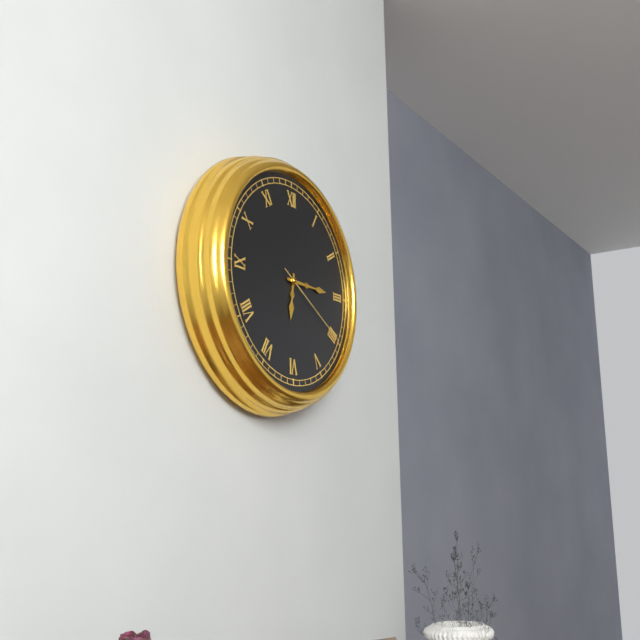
**6:15:20**
